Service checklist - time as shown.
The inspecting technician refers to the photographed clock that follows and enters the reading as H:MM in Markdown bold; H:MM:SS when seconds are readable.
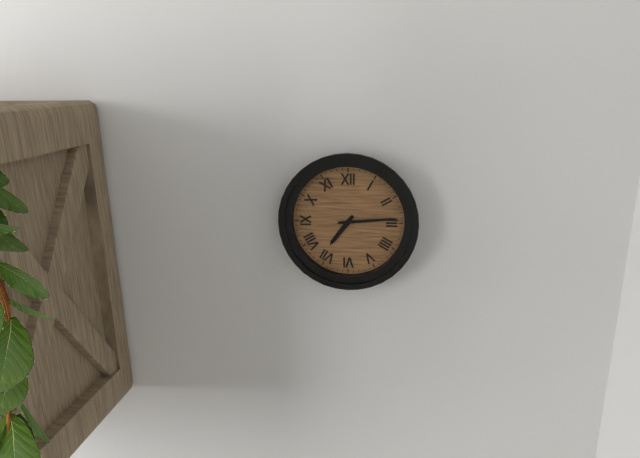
**7:14**
